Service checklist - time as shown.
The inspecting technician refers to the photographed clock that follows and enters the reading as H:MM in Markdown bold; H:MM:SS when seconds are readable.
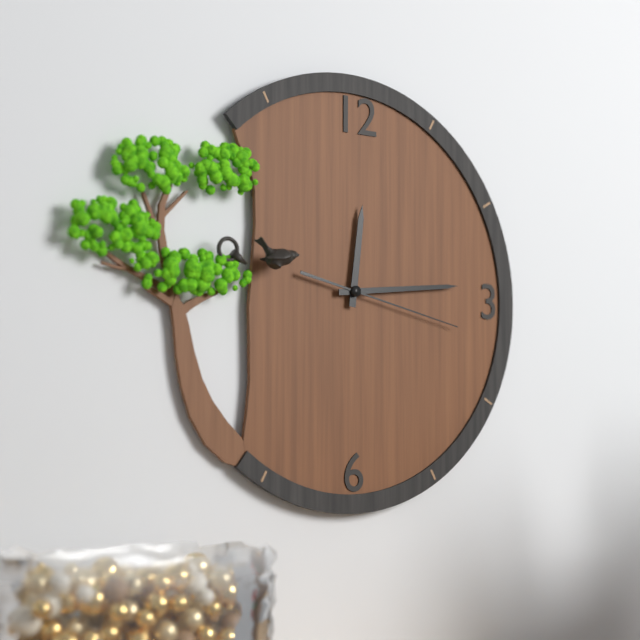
**12:14:17**
